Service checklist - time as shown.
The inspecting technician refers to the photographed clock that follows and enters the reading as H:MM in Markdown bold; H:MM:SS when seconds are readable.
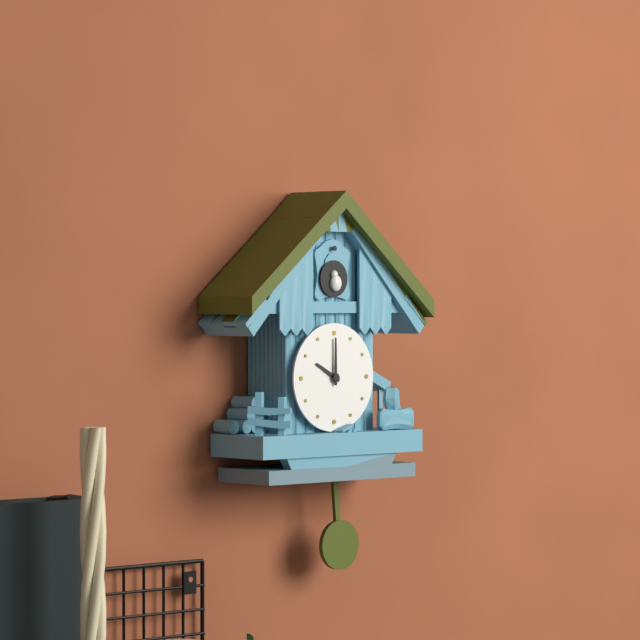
**10:00**
